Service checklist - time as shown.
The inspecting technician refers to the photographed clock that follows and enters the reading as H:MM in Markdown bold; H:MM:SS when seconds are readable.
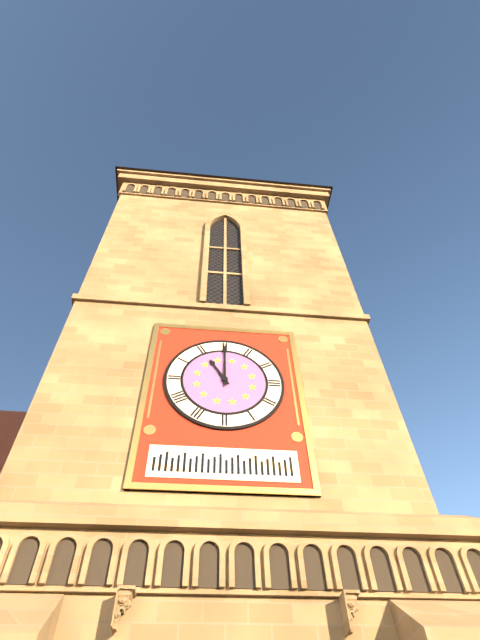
**11:00**
